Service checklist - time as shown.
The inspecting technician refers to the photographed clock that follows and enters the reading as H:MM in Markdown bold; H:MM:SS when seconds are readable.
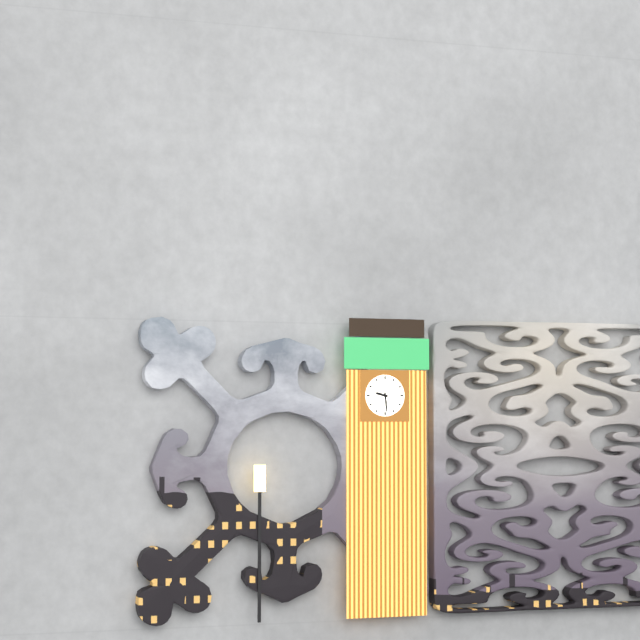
**9:29**
